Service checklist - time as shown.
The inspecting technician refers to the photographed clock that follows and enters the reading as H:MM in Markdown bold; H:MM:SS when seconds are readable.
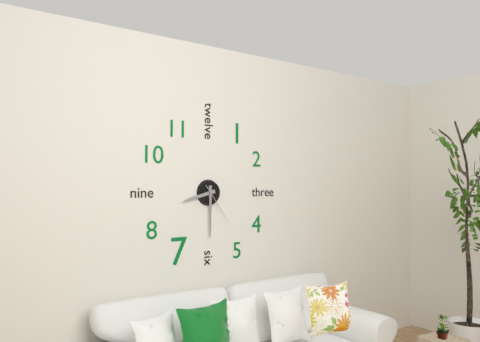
**8:30**
